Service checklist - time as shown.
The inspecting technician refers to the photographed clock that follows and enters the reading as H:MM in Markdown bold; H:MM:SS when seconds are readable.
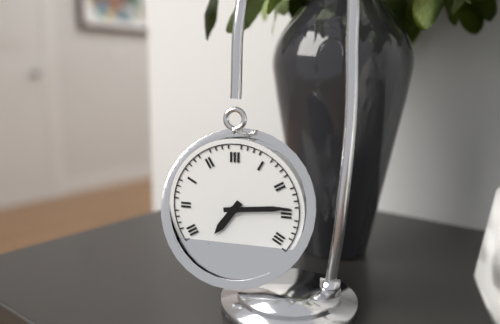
**7:14**
